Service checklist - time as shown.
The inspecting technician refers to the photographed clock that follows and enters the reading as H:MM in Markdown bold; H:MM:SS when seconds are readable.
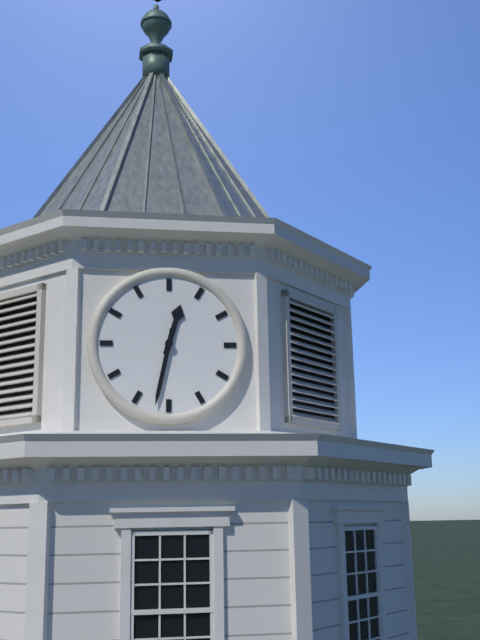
**12:32**
